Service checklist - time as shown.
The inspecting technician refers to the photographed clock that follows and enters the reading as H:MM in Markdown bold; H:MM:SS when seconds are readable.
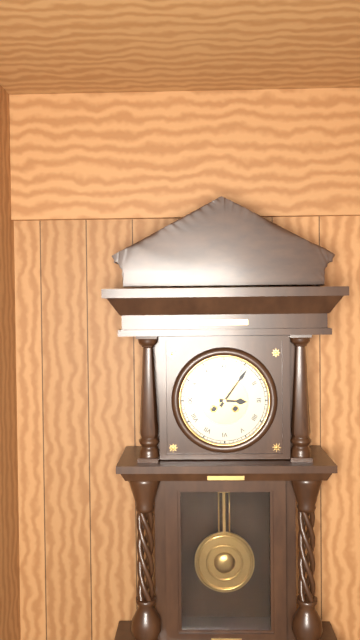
**3:06**
